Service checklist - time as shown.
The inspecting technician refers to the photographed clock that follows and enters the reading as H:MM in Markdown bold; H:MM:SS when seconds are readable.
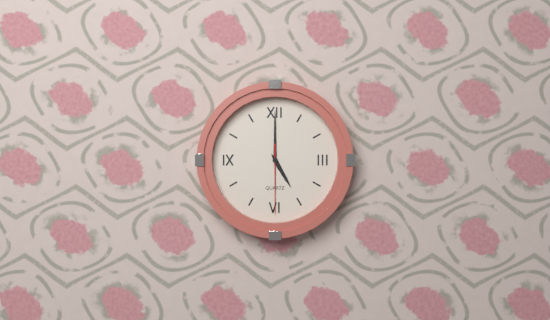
**5:00:30**
